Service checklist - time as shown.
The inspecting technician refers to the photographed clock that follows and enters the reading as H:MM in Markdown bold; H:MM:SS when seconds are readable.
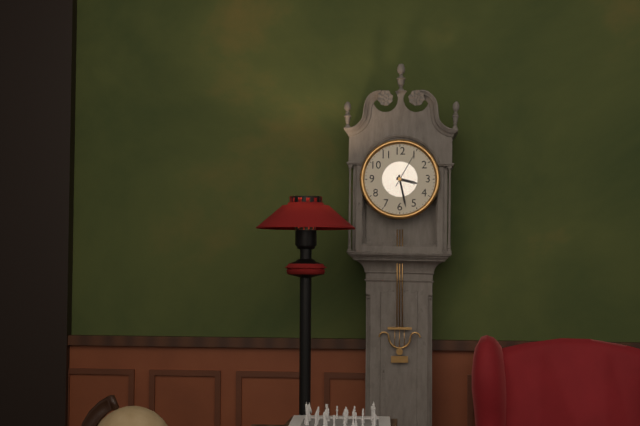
**3:28**
